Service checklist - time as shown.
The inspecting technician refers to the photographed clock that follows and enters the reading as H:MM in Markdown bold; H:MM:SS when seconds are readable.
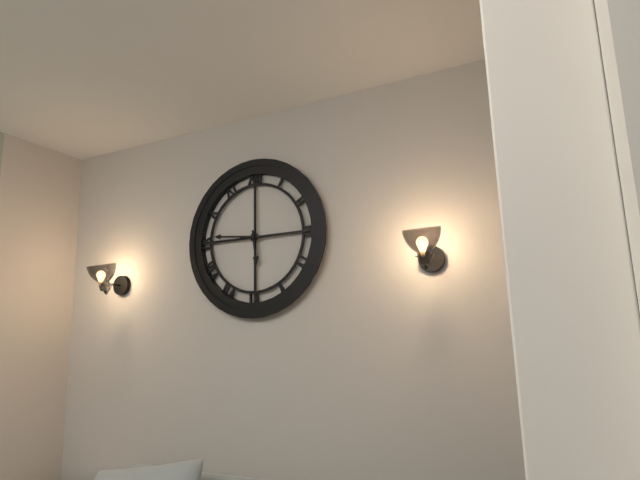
**5:46**
